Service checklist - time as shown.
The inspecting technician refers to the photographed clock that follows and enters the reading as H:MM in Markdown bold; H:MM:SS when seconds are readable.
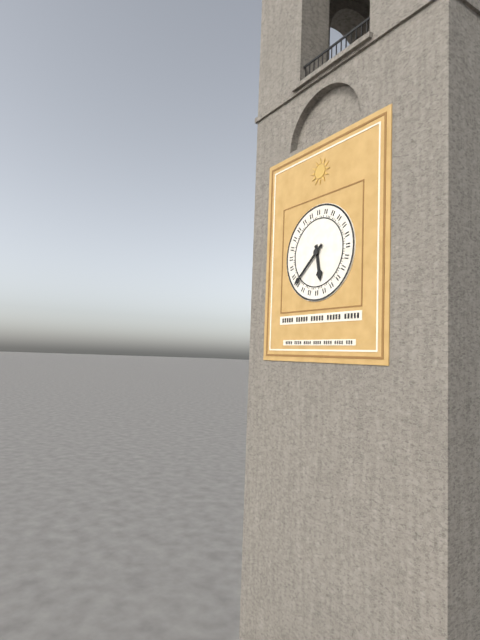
**5:38**
